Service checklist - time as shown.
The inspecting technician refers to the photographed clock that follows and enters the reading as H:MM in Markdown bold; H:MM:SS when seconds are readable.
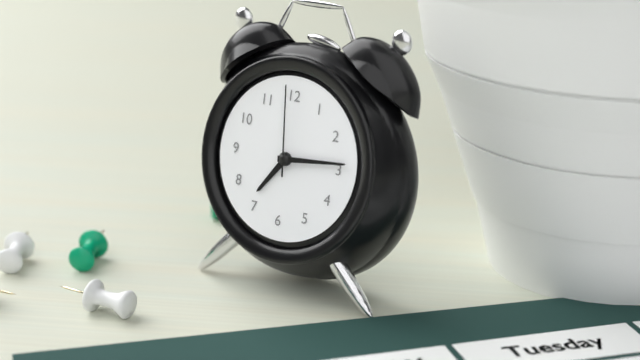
**7:14:59**
